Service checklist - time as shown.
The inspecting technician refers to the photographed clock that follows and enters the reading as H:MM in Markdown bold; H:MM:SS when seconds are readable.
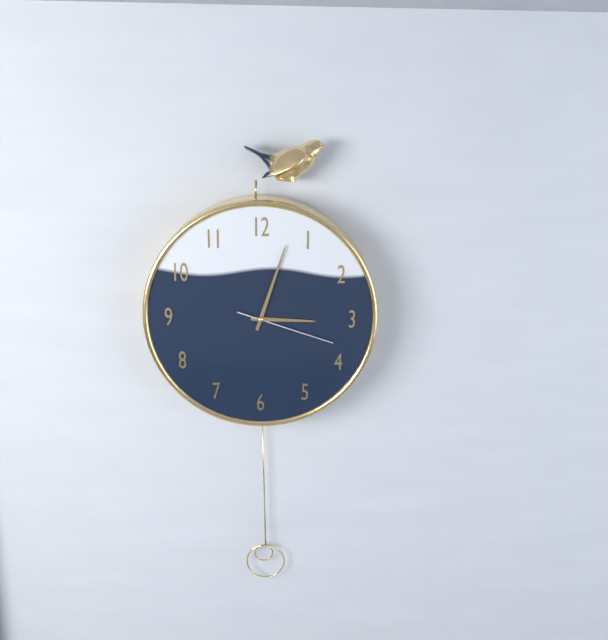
**3:03:18**
